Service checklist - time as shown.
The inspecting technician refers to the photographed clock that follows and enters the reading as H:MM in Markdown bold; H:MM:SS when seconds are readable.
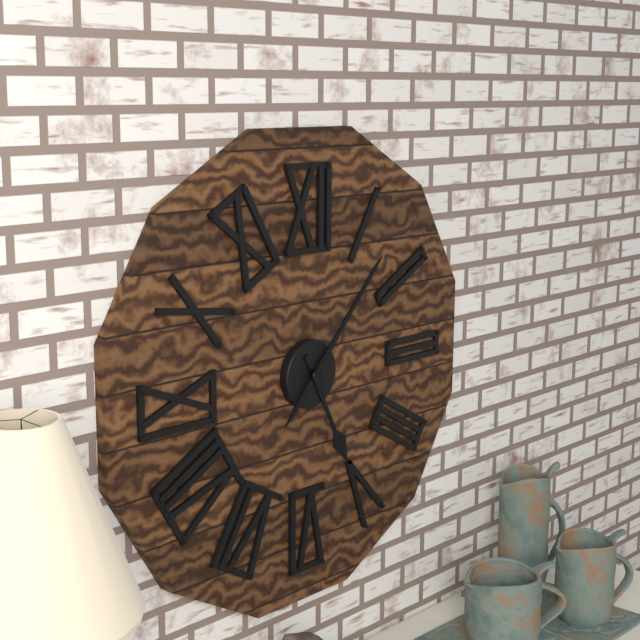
**5:07**
